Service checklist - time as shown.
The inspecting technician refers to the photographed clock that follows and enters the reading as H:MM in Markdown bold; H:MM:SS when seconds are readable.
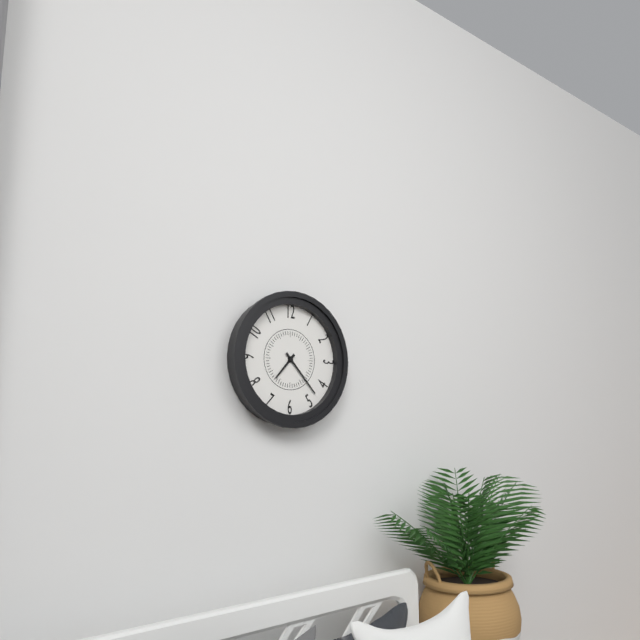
**7:23**
